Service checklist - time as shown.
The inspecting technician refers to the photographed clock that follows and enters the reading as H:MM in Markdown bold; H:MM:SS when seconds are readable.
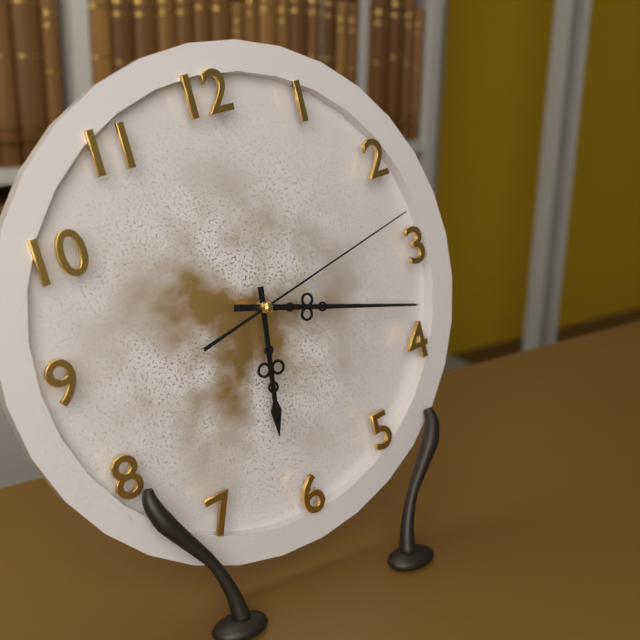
**6:18:13**
